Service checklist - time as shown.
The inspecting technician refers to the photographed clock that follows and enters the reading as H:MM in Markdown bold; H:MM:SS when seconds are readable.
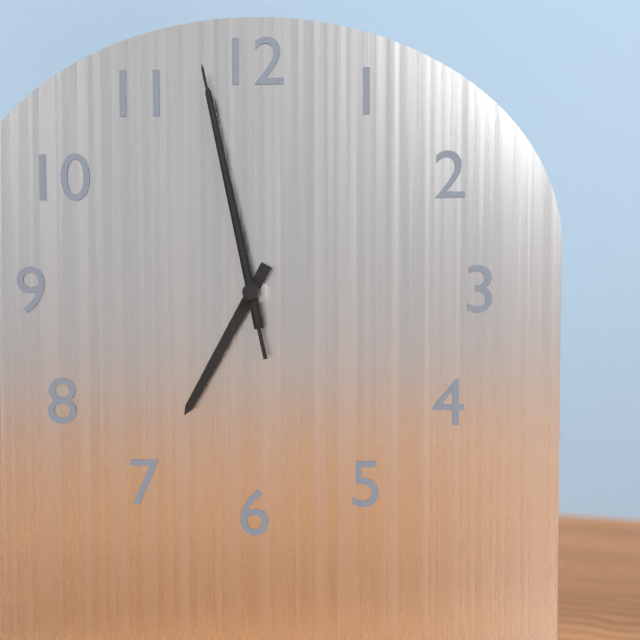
**6:58:58**
